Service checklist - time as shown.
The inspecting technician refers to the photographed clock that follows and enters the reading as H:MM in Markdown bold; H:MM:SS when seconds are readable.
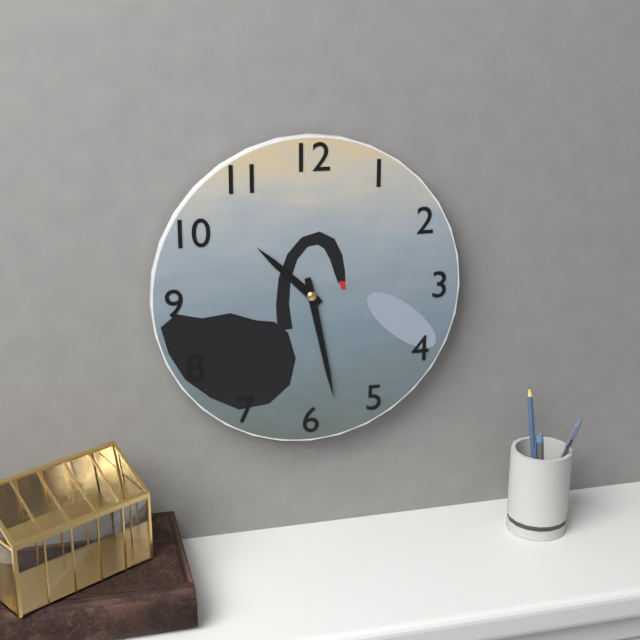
**10:28**
